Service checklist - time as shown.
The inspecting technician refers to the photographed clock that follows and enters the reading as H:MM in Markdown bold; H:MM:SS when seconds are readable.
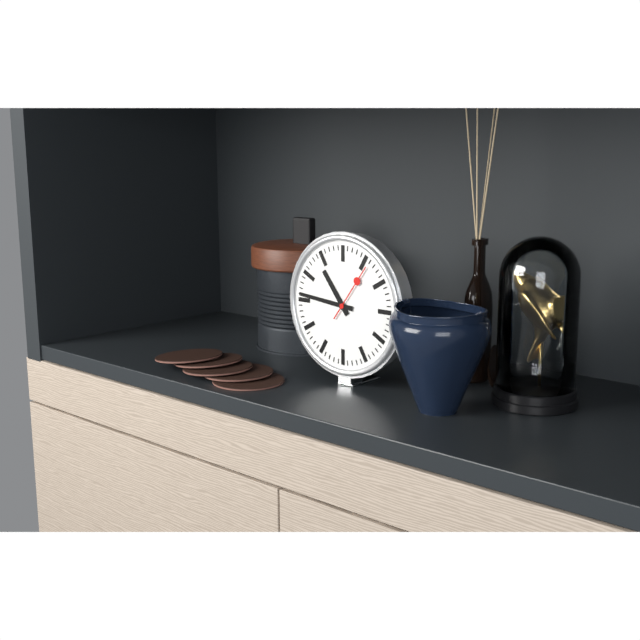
**10:46:06**
